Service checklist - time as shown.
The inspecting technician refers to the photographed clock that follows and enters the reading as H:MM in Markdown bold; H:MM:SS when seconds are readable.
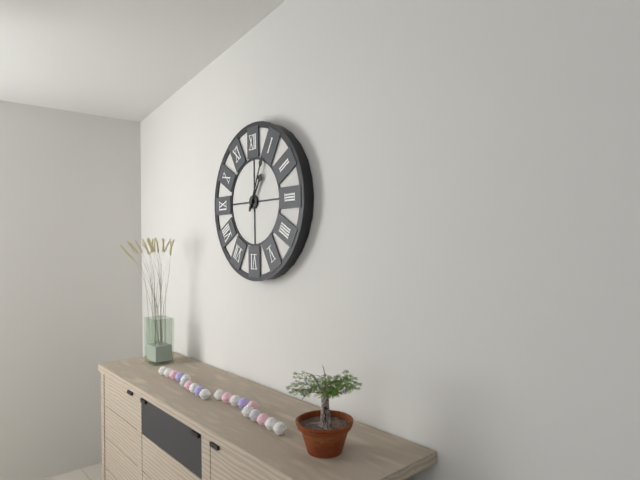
**1:04**
